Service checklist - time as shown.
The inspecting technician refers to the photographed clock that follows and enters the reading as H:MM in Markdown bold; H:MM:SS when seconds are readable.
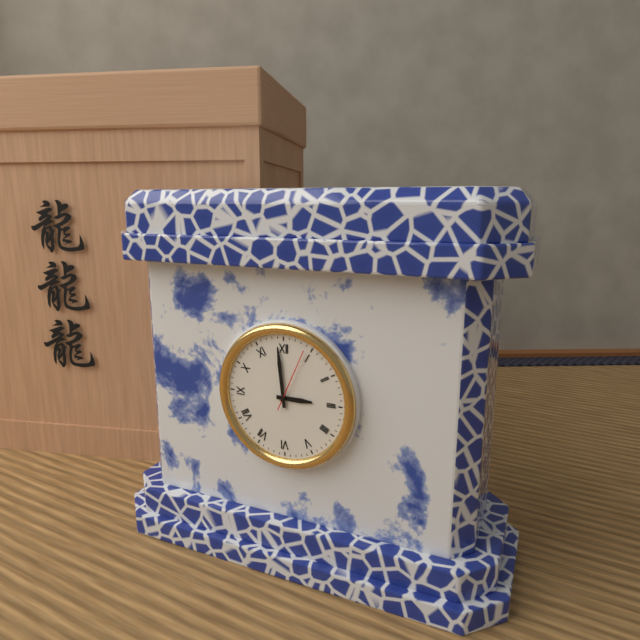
**2:59**
